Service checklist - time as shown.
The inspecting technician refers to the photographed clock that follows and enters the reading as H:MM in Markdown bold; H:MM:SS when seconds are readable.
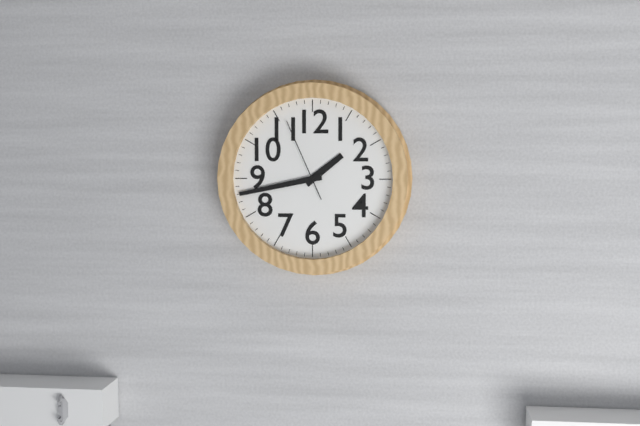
**1:43:56**
